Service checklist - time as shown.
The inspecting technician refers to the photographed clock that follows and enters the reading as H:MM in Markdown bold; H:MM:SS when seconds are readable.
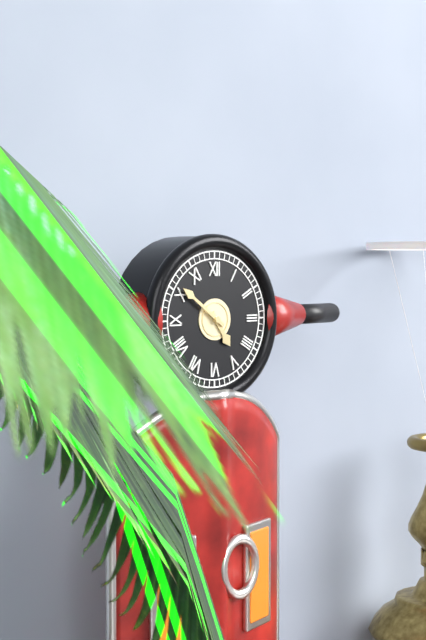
**4:51**
